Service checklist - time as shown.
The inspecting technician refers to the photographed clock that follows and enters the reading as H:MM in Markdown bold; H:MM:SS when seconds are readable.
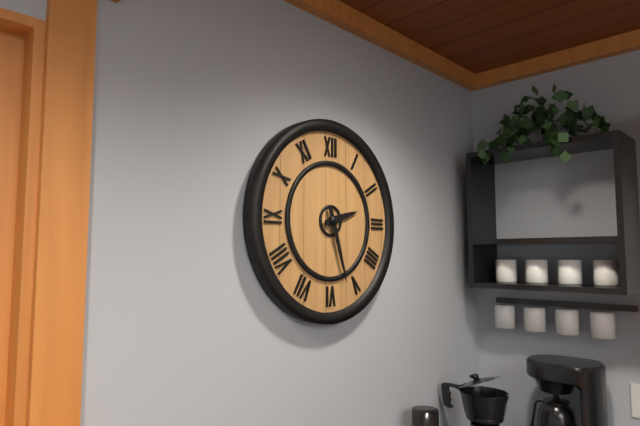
**2:27**
